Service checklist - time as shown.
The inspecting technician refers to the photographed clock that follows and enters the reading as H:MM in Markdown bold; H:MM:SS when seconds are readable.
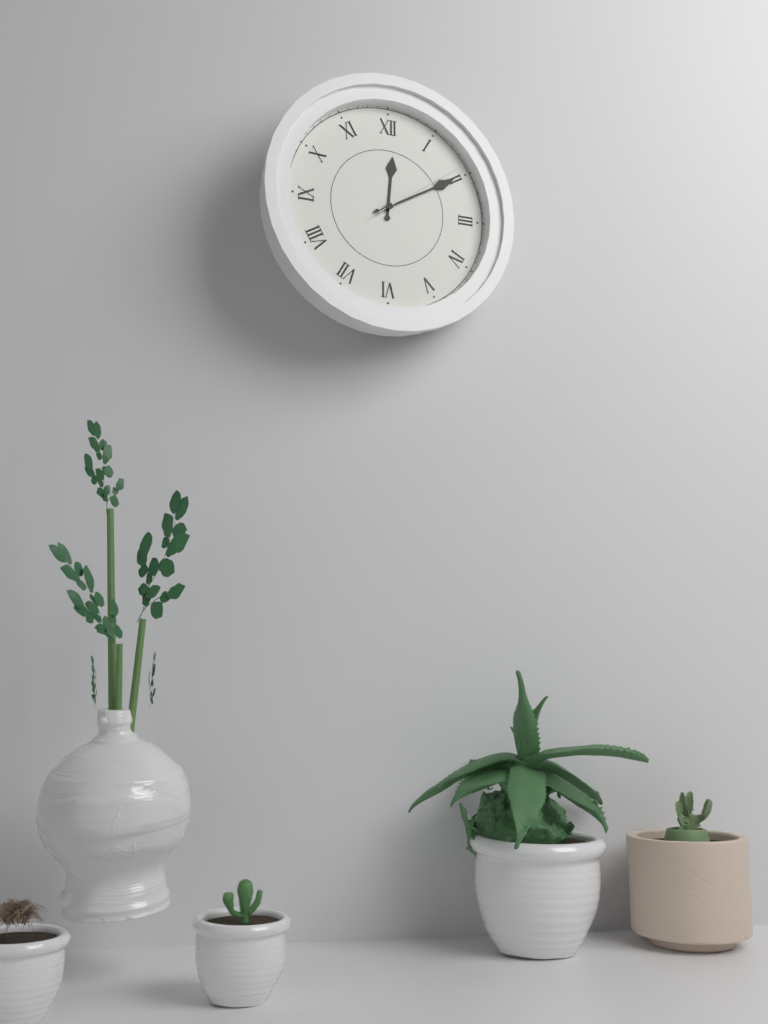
**12:10:09**
